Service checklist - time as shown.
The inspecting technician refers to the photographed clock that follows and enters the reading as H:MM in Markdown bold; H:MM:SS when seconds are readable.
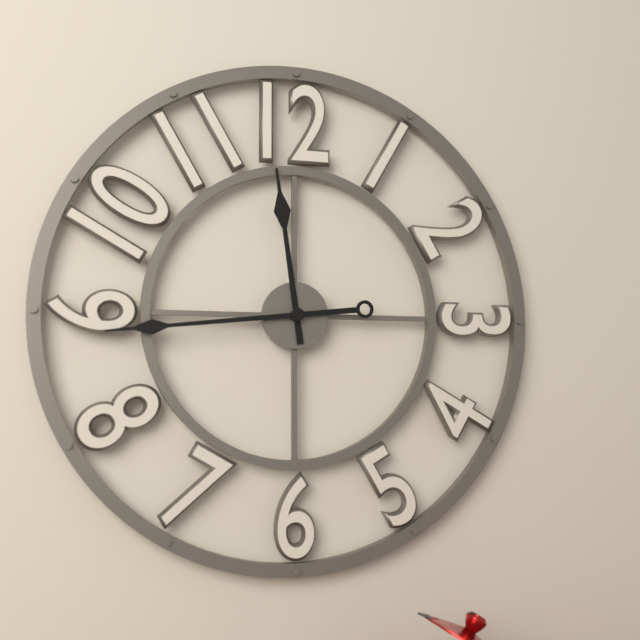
**11:44**
